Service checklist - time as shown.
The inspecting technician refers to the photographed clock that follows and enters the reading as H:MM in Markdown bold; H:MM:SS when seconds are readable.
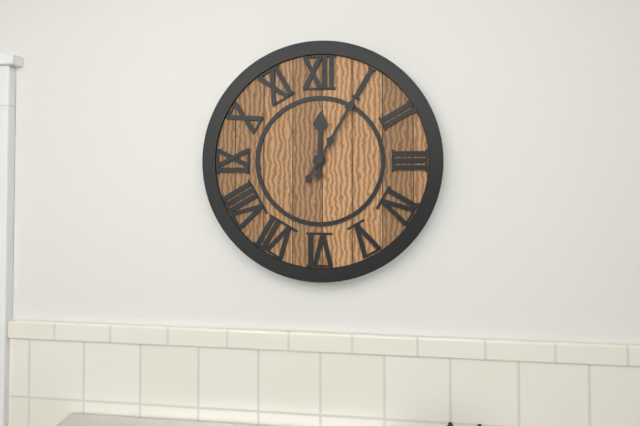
**12:05**
